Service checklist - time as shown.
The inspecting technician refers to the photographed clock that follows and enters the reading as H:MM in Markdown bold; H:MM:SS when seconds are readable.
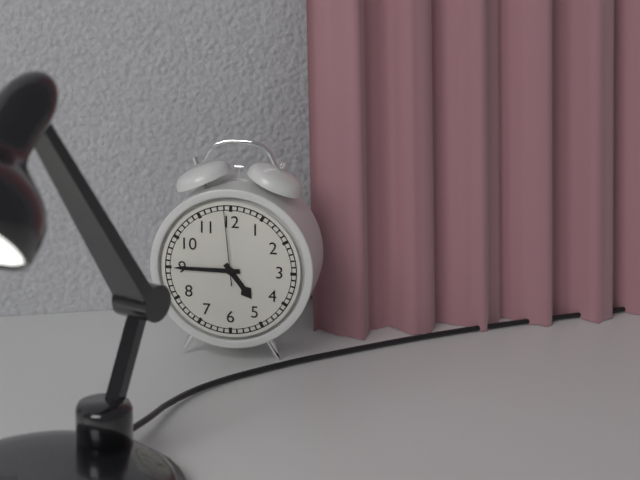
**4:45:59**
